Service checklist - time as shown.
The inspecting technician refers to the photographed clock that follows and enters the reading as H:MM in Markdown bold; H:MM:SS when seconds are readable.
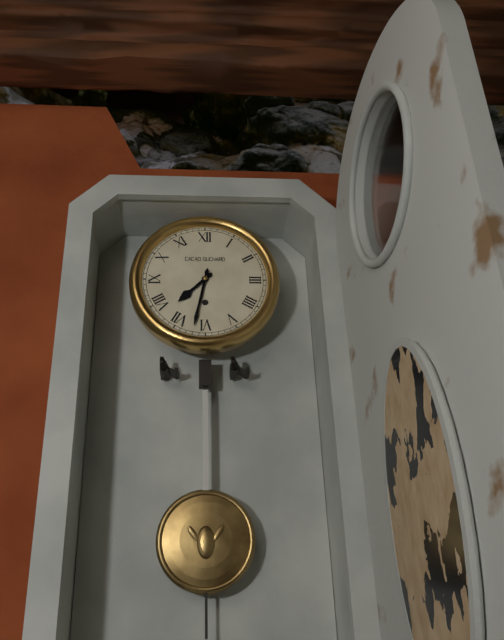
**7:32**
